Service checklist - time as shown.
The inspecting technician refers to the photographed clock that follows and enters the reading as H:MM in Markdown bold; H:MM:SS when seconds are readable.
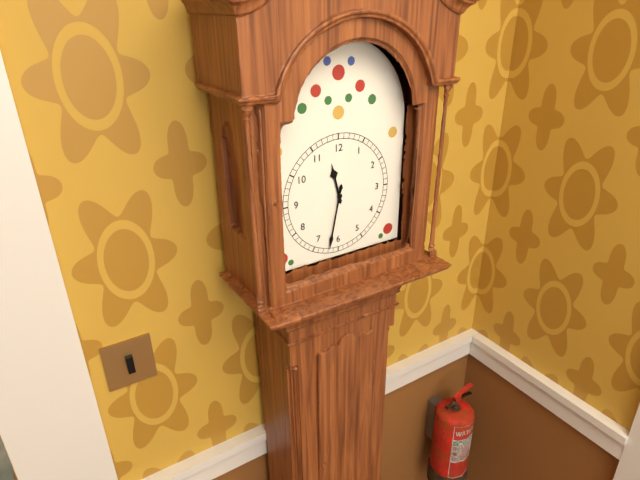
**11:32**
